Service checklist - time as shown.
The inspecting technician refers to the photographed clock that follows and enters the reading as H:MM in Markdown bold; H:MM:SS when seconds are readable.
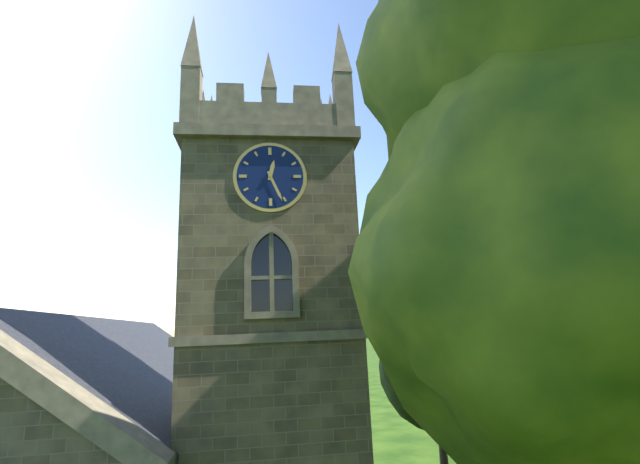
**12:26**
